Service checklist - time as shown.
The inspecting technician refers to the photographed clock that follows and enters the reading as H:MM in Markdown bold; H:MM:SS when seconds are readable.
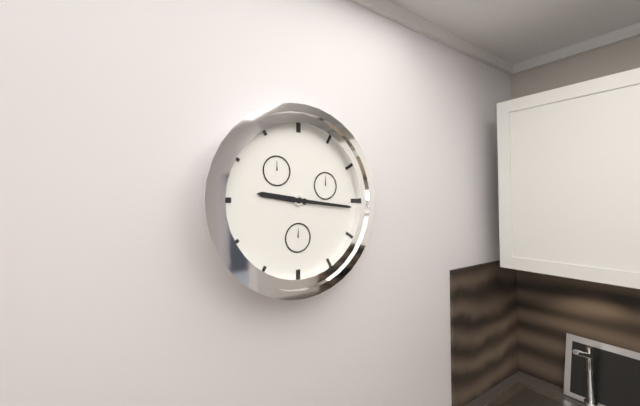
**9:16**
